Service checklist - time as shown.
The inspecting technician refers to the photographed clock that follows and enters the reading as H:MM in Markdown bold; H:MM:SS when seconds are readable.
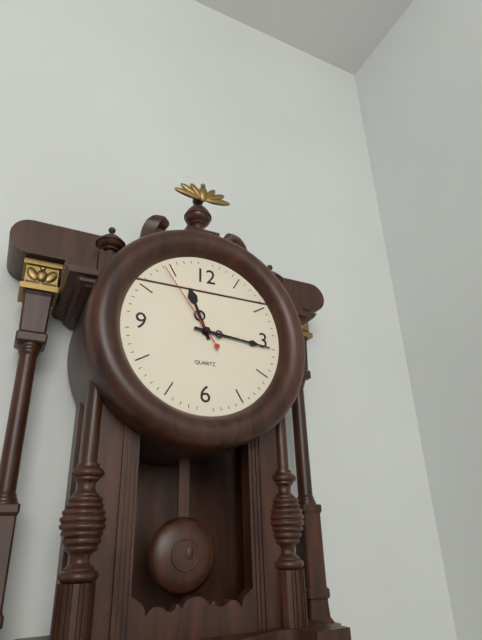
**11:16:54**
